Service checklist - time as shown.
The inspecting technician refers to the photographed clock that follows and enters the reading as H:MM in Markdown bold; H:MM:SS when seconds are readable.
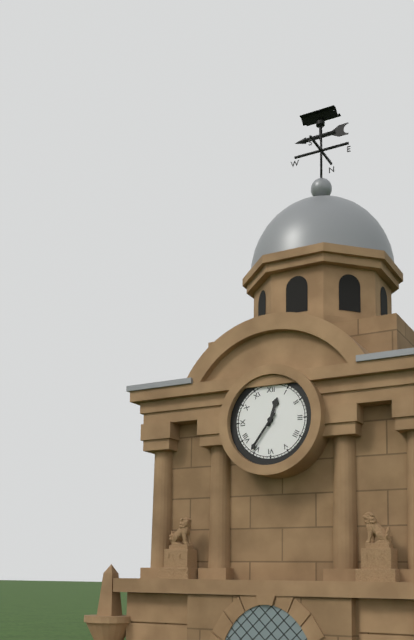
**12:36**
